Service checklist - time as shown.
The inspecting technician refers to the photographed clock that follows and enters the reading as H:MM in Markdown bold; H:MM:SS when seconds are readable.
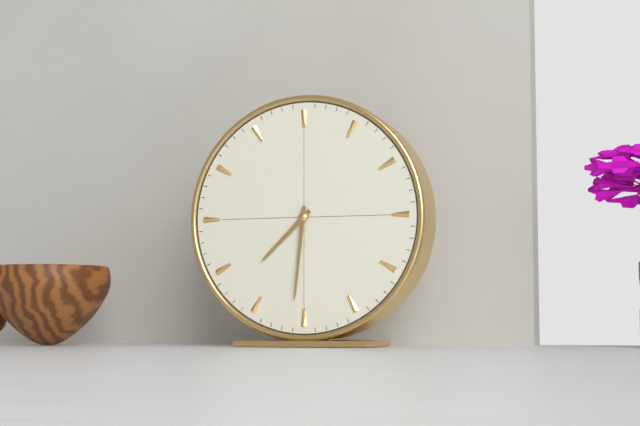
**7:31**
